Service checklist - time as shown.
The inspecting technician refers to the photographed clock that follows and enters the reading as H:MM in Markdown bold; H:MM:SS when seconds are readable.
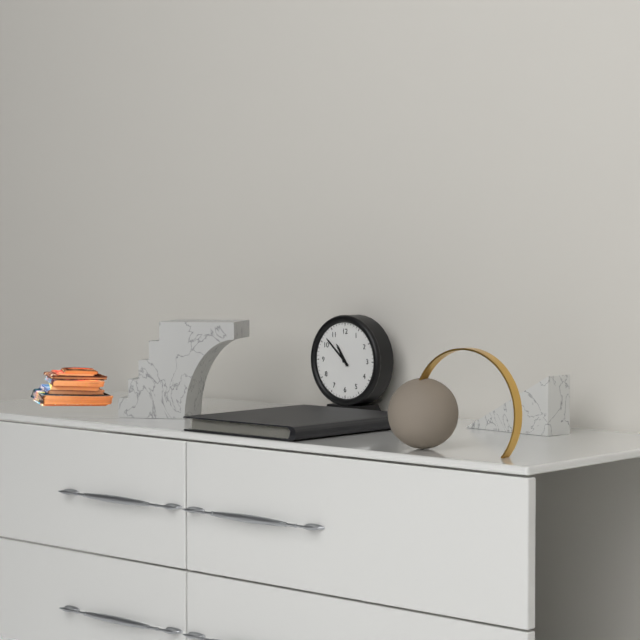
**10:52**
